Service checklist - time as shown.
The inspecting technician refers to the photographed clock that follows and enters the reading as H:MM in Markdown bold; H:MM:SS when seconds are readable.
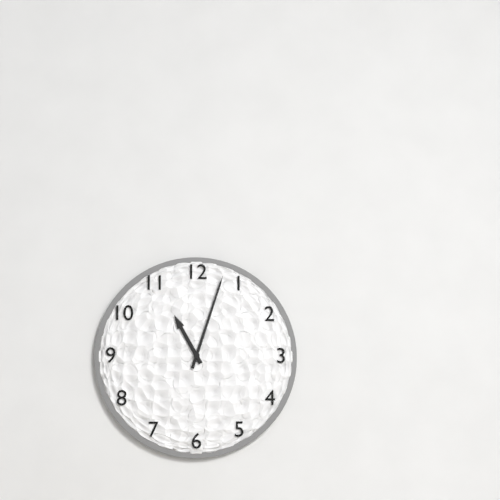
**11:03**
